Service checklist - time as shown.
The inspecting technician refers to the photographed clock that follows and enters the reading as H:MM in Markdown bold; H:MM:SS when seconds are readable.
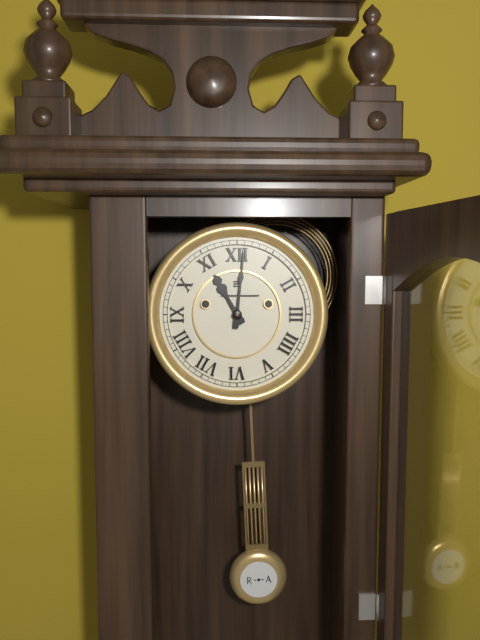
**11:01**
